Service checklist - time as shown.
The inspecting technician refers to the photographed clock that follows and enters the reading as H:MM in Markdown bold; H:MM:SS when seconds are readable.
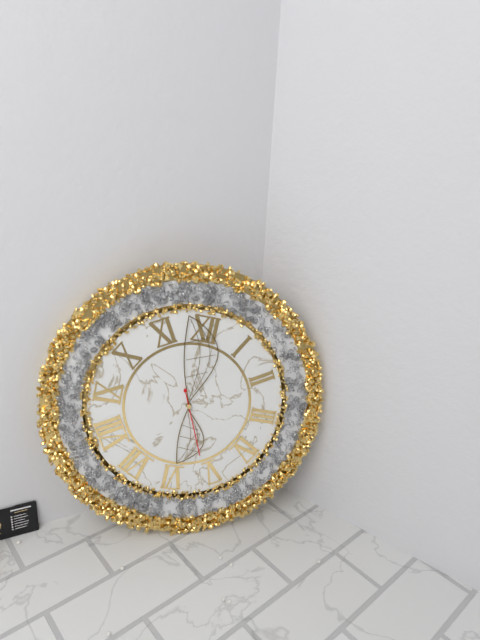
**5:58:26**
